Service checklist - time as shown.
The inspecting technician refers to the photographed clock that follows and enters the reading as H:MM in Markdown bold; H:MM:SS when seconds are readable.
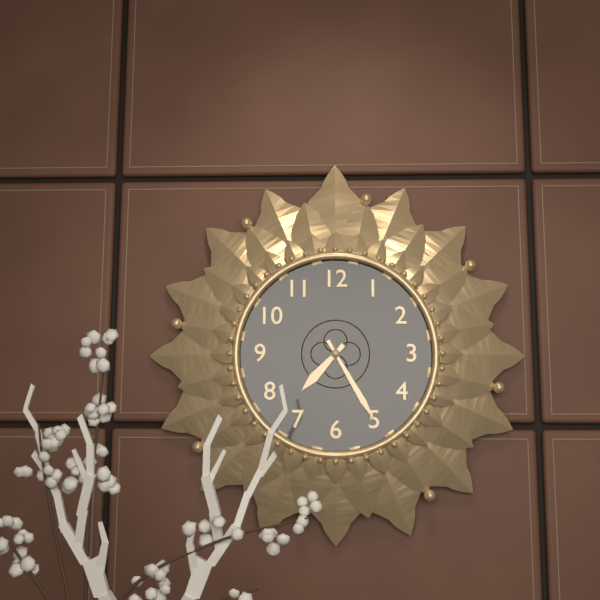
**7:25**
